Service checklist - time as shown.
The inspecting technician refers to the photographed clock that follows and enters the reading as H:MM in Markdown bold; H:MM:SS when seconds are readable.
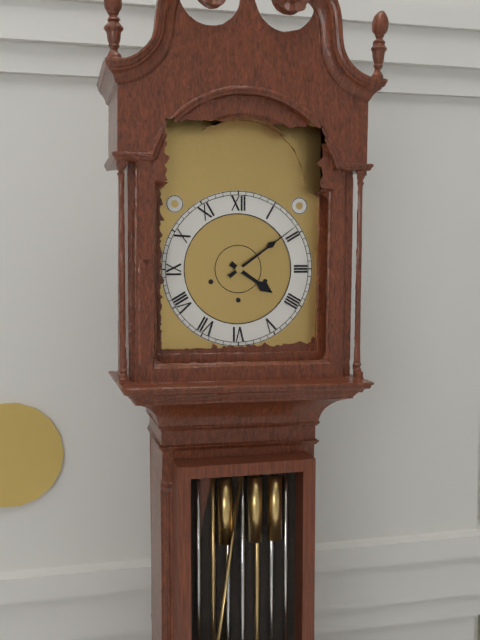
**4:09**
